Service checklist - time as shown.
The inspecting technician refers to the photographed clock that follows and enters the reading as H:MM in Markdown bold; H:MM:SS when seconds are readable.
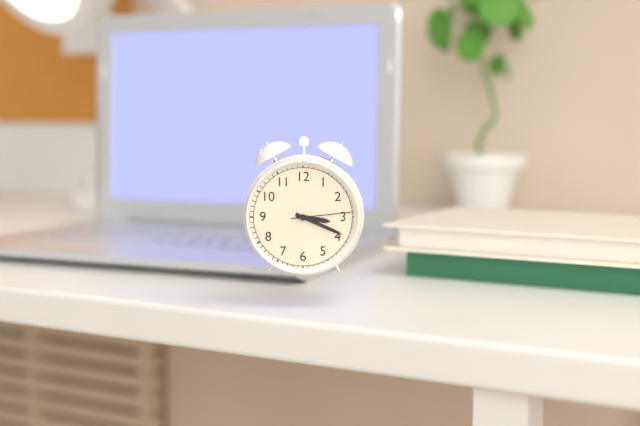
**3:19:14**
